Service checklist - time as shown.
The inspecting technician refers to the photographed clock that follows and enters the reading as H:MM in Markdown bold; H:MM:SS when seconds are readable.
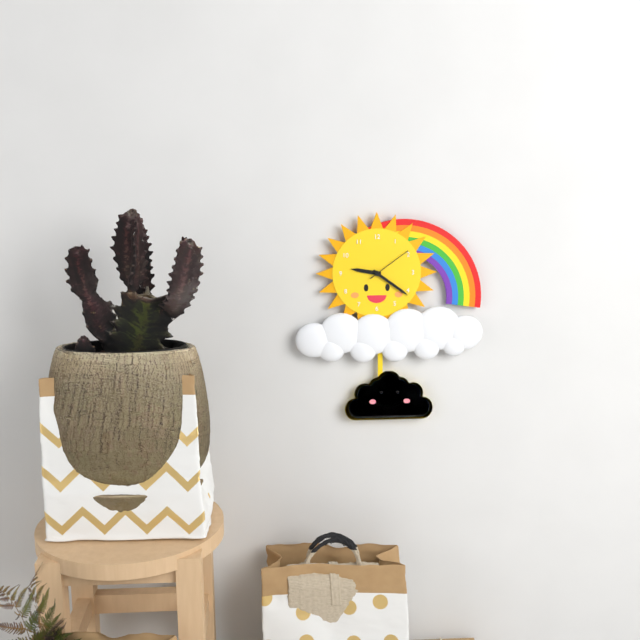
**9:21**
